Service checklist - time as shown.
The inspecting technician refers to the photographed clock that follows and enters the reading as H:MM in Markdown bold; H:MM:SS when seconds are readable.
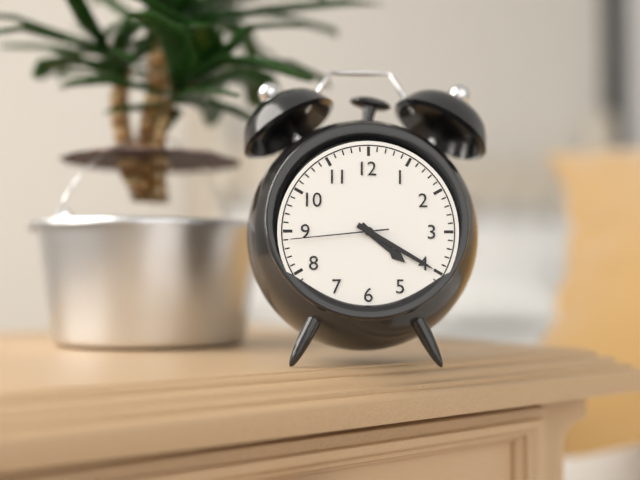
**4:20:44**
